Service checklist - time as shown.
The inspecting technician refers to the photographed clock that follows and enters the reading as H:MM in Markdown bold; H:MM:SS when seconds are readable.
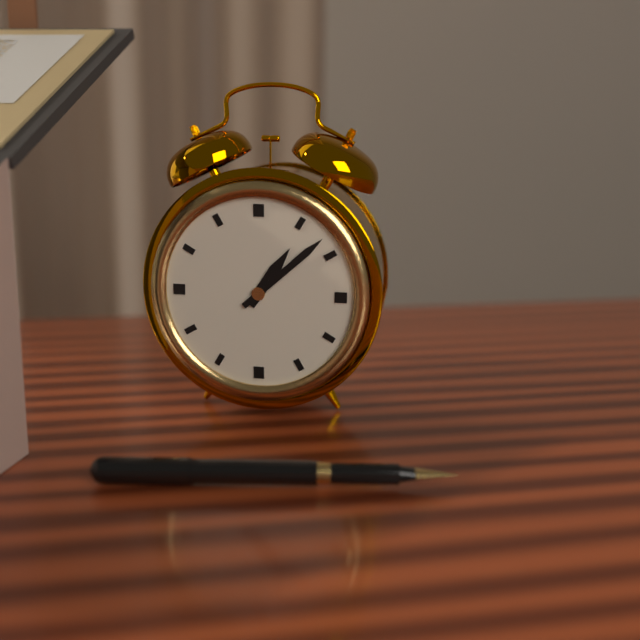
**1:08**
